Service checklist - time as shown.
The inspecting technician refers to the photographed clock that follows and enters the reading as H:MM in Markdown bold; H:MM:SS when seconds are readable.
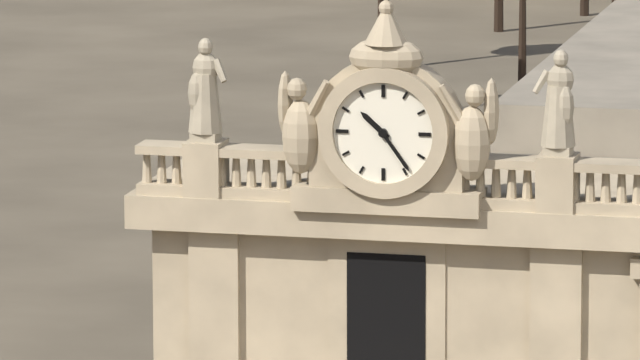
**10:24**
